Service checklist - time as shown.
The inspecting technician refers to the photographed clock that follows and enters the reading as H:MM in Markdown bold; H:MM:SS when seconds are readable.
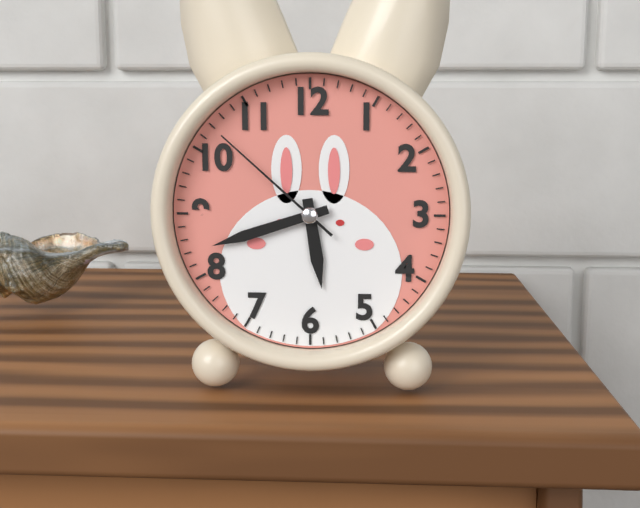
**5:42:52**
